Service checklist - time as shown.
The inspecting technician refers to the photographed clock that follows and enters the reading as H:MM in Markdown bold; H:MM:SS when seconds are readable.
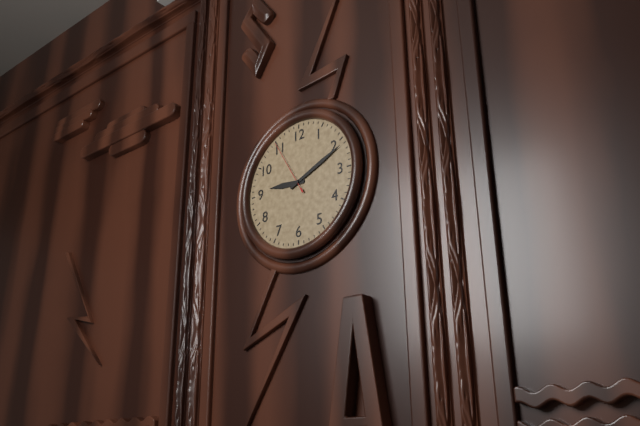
**9:11:55**
